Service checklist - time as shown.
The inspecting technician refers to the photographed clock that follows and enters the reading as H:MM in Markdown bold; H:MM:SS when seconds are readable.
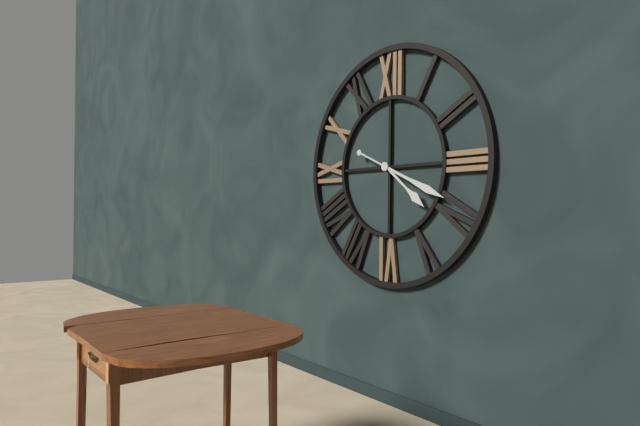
**4:19**
